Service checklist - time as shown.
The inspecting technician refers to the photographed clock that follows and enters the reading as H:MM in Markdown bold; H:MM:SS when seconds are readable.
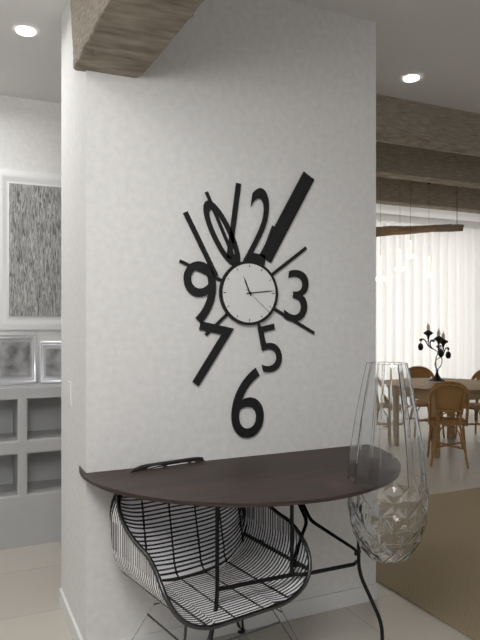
**11:14**
